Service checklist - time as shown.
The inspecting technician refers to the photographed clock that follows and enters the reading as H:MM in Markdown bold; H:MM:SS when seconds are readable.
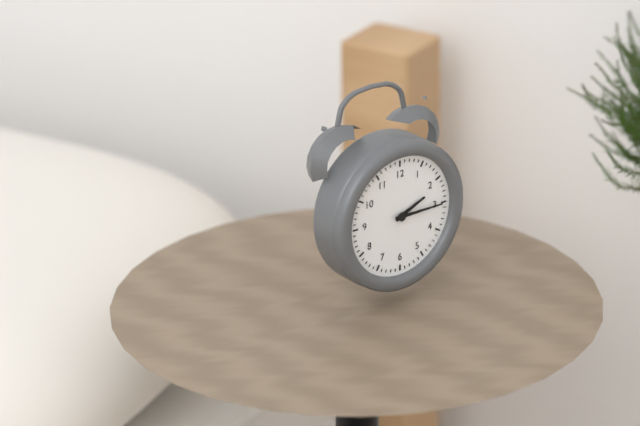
**2:15**
